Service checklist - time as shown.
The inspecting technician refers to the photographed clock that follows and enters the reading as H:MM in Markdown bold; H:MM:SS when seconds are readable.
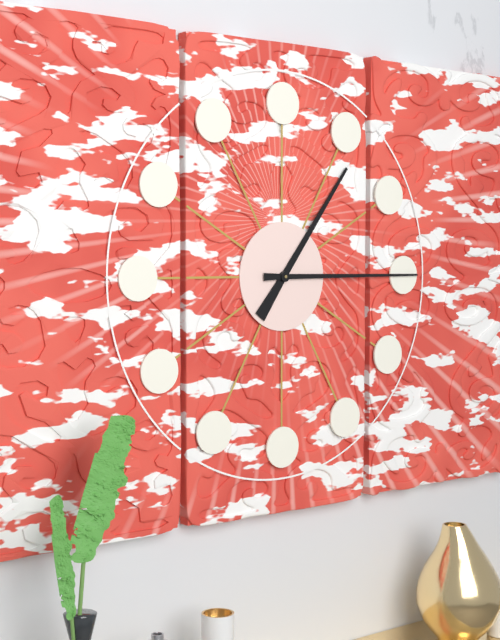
**1:15**
